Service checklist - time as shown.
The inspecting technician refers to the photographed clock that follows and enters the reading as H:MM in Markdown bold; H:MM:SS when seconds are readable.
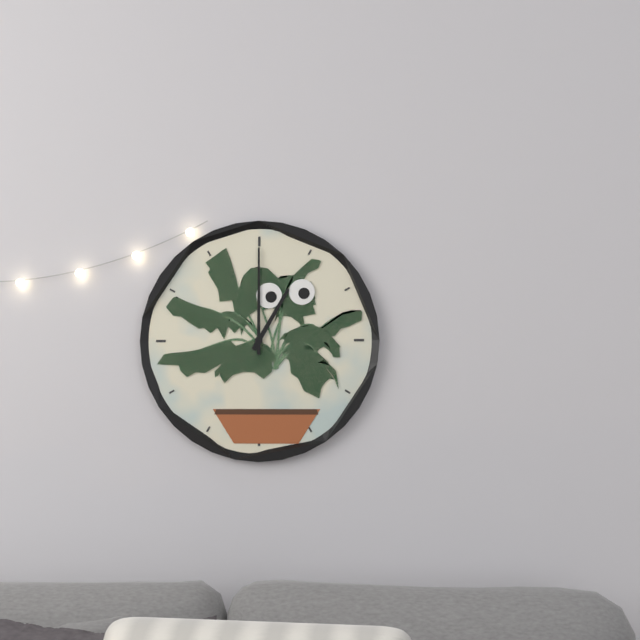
**1:00**
